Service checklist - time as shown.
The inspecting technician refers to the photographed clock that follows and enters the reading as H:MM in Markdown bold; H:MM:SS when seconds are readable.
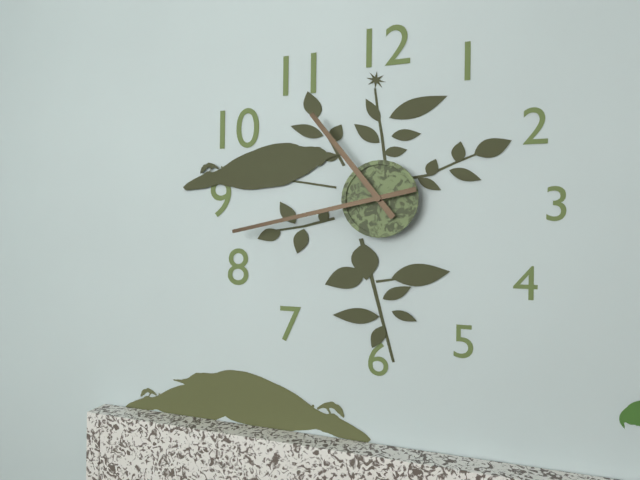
**10:43**
